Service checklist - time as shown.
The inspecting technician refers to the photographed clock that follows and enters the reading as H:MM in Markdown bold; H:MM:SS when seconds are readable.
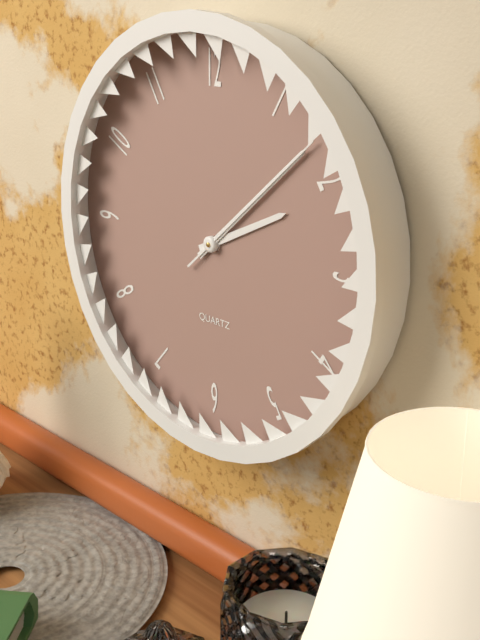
**2:08:08**
